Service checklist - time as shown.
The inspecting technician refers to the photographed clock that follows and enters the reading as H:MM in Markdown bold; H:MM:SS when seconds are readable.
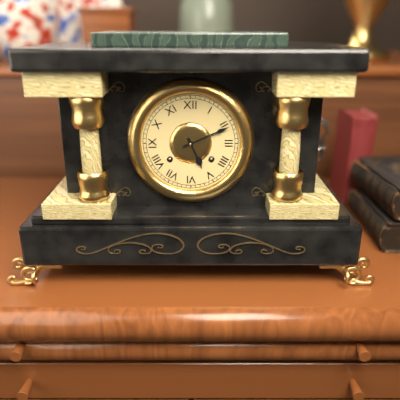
**5:11**
